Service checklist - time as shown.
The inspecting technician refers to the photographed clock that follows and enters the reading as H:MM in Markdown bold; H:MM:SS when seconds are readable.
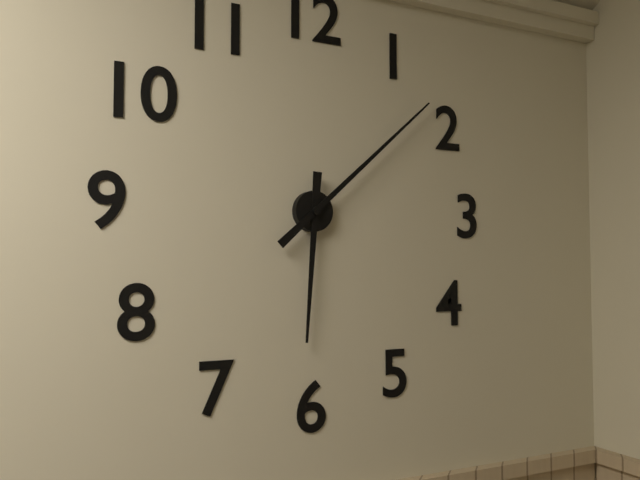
**6:08**
